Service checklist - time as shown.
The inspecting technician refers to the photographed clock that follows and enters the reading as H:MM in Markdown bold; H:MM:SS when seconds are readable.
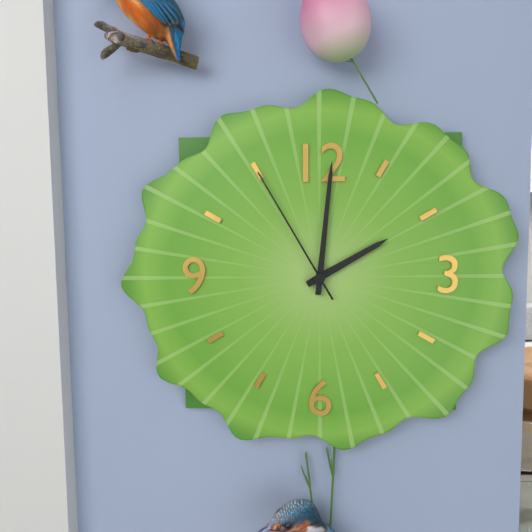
**2:01:55**
